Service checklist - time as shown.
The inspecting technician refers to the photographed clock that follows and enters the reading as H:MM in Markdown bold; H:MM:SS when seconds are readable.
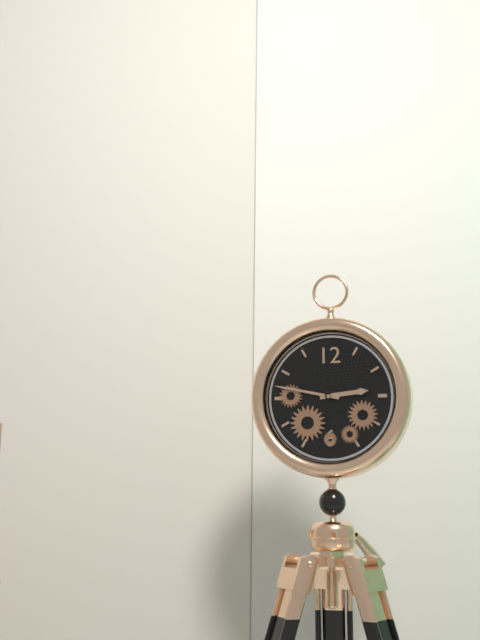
**2:47**
